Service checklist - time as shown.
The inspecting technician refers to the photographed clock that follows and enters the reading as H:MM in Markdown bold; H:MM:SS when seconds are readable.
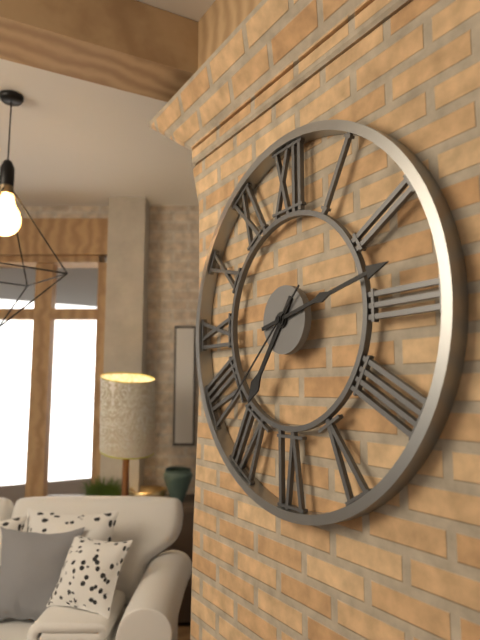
**7:13:38**
